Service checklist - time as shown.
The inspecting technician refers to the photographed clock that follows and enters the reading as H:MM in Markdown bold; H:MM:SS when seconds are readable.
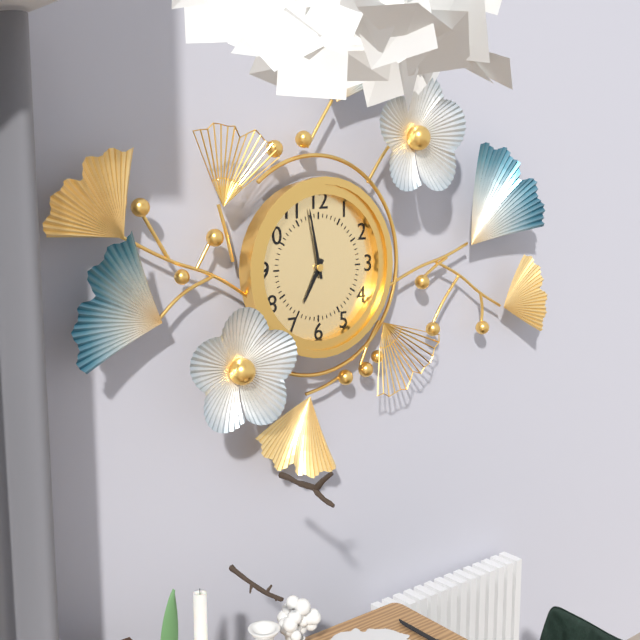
**6:58**
